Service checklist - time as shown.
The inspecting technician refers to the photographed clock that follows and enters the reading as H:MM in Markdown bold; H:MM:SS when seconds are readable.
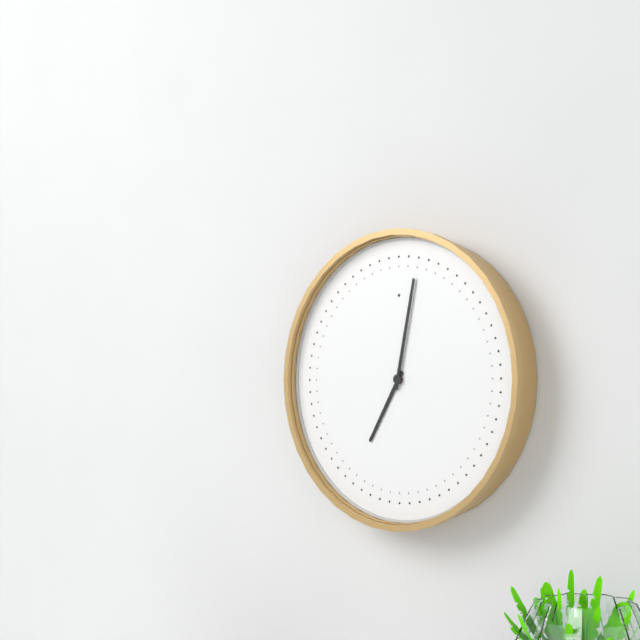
**7:02**
